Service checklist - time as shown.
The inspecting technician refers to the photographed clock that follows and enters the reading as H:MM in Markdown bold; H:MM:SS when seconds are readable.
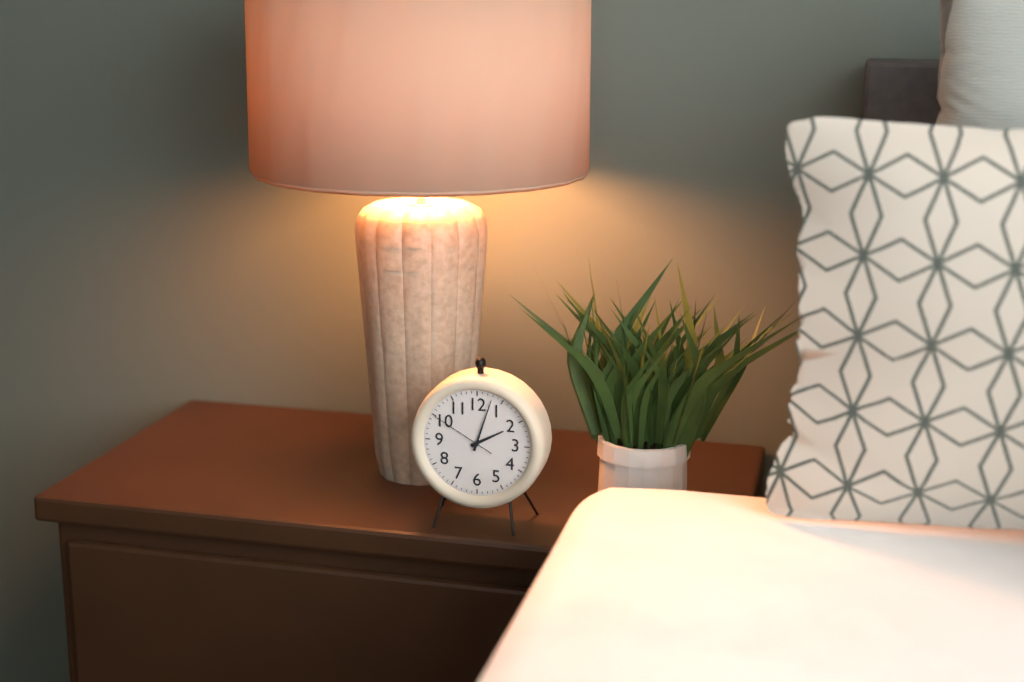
**2:03:50**
